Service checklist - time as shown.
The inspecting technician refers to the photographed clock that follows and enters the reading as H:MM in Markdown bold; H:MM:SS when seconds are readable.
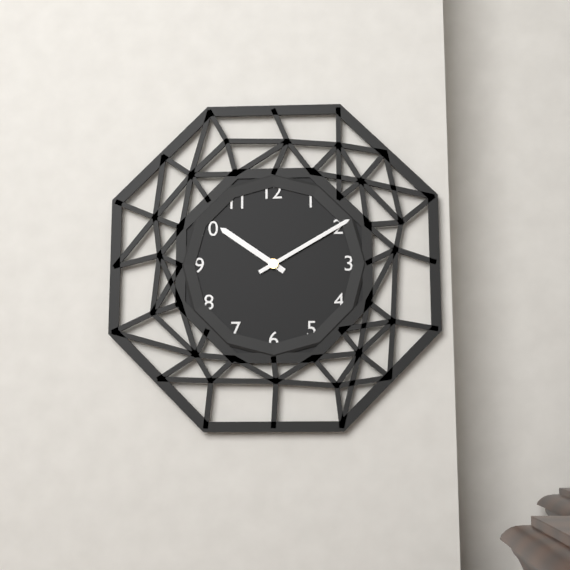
**10:10**
